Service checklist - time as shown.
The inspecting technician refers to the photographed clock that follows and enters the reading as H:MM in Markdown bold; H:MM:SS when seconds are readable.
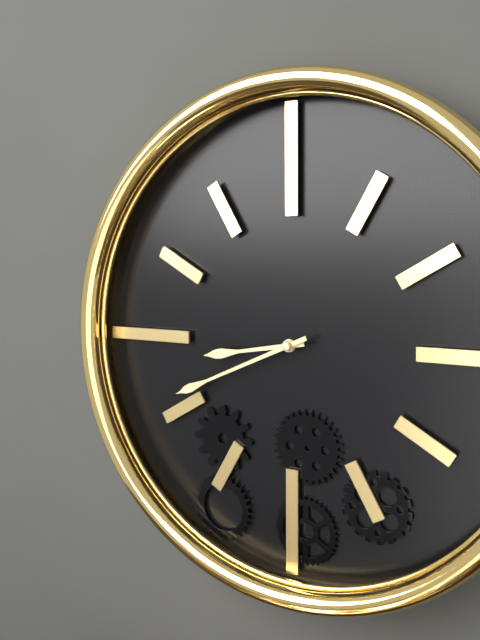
**8:41**
